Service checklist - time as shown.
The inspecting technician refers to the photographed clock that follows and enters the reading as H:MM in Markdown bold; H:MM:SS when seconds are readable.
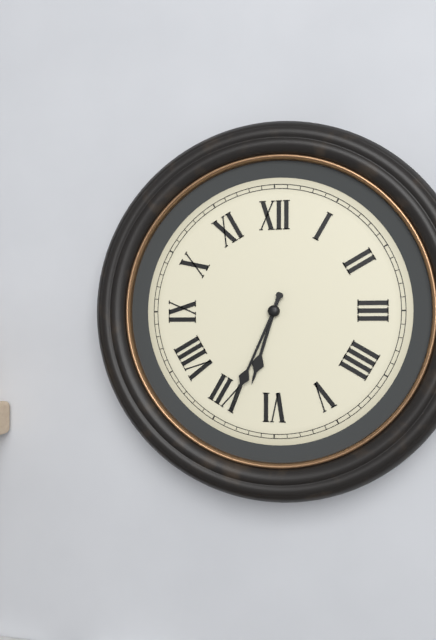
**6:34**
